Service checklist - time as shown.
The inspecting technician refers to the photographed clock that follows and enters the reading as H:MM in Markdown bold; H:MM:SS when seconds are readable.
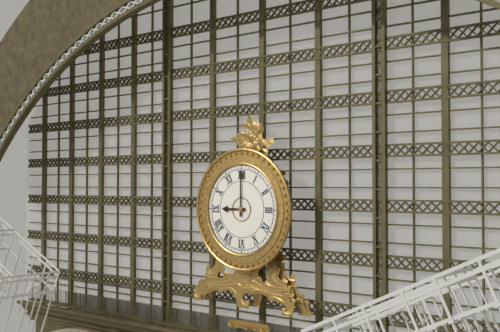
**9:00**
